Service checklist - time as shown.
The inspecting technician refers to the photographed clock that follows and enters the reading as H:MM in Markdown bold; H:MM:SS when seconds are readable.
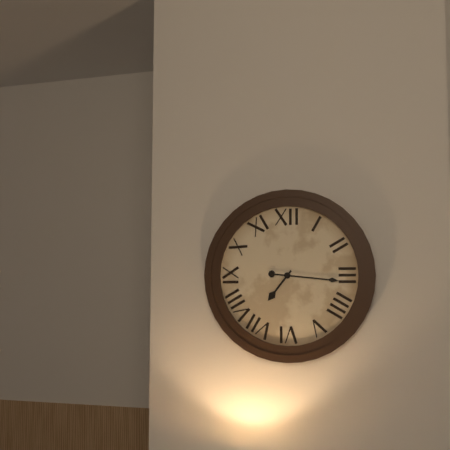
**7:16**
